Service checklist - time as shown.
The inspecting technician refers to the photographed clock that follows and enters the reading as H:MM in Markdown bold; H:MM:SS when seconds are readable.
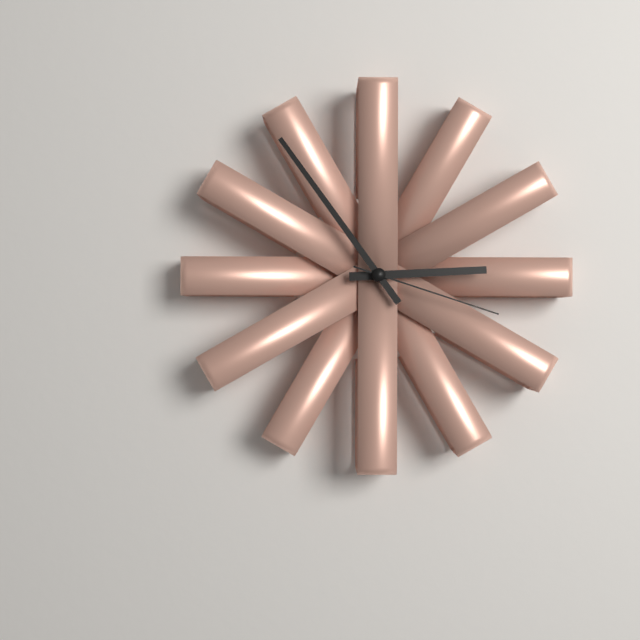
**2:54:18**
